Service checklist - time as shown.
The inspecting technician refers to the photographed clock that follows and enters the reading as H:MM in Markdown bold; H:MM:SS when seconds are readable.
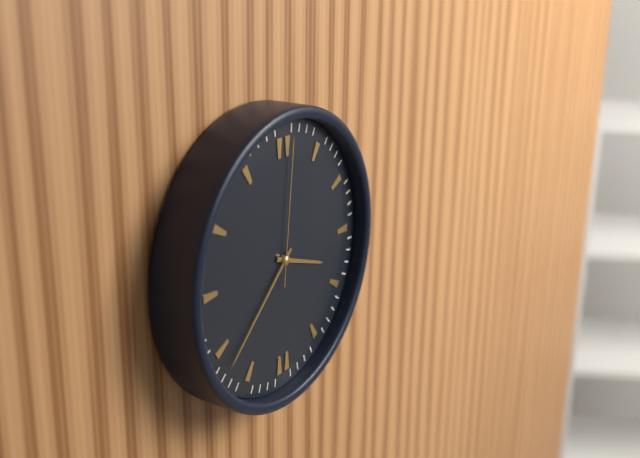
**3:38:01**
